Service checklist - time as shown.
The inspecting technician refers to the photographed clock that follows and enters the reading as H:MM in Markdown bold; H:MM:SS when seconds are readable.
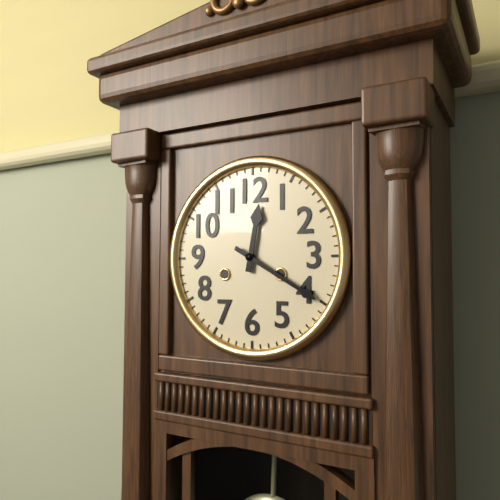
**12:20**
